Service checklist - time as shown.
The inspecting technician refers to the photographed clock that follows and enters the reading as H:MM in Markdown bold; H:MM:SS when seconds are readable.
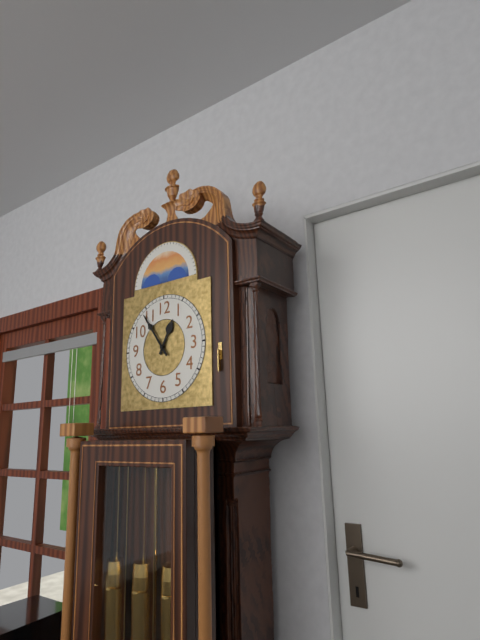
**12:54**
